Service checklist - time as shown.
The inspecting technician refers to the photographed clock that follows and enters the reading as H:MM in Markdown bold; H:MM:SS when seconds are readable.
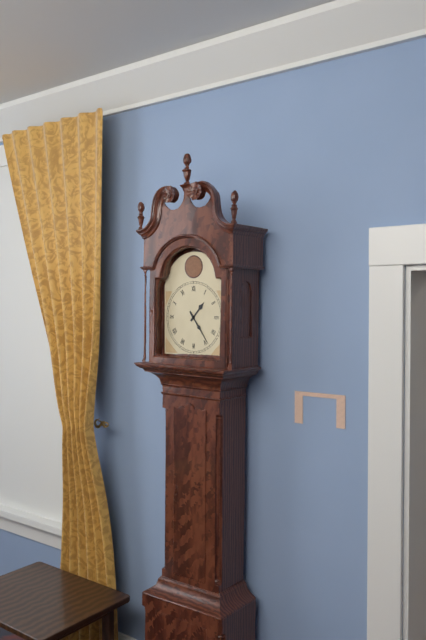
**1:24**
